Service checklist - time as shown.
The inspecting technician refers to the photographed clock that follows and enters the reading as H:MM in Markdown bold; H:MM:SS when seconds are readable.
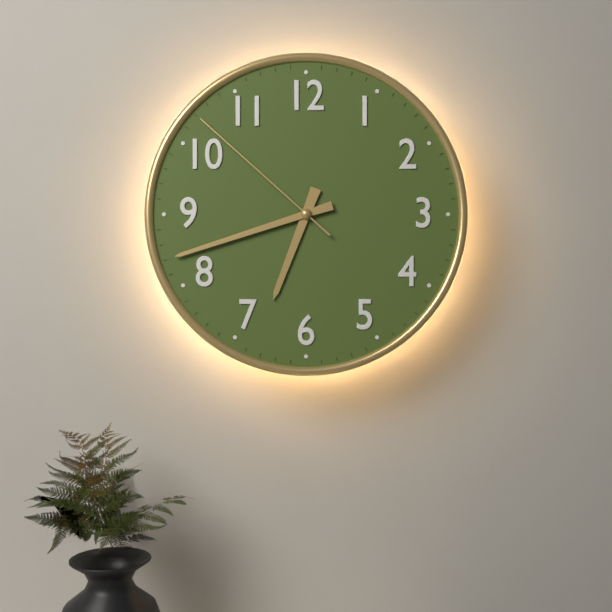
**6:42:52**
